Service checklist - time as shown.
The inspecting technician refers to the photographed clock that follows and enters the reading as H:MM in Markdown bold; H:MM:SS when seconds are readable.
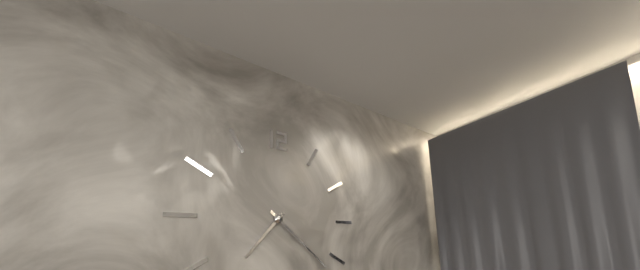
**7:22**
